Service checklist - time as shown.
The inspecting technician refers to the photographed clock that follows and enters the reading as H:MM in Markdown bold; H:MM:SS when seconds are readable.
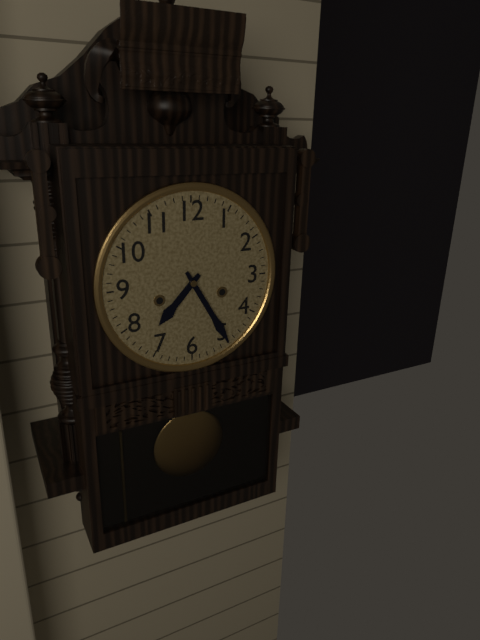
**7:25**
